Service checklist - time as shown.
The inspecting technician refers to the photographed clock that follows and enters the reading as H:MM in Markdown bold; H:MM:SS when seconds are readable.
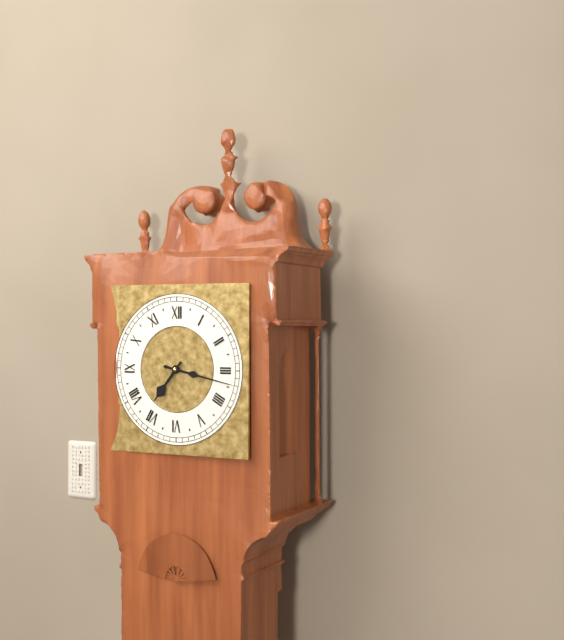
**7:17**
